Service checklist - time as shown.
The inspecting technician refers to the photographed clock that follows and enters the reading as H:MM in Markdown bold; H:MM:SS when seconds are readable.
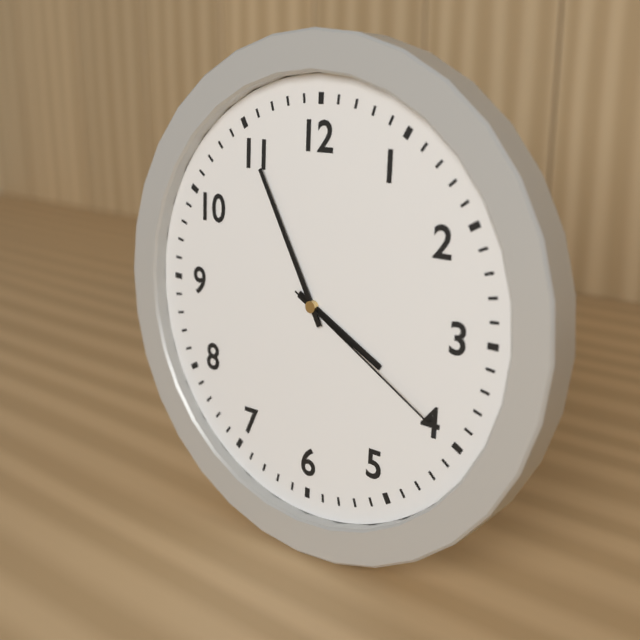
**3:55:20**
